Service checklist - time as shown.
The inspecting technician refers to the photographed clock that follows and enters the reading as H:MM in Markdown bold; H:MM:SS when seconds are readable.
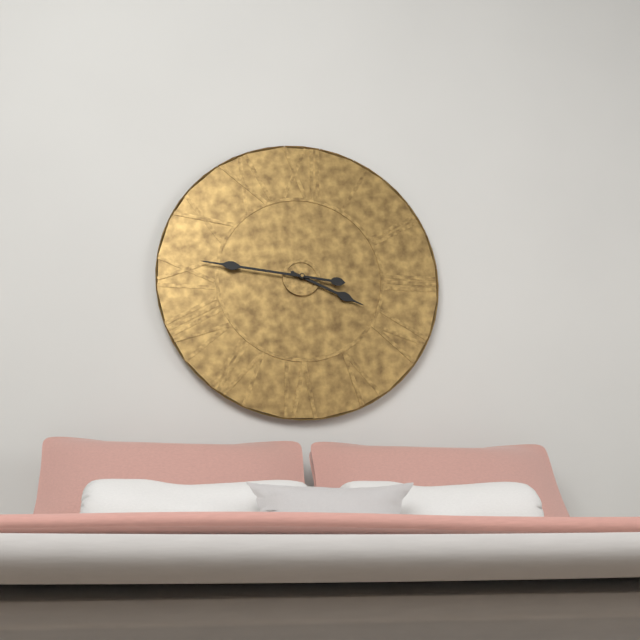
**3:46**
